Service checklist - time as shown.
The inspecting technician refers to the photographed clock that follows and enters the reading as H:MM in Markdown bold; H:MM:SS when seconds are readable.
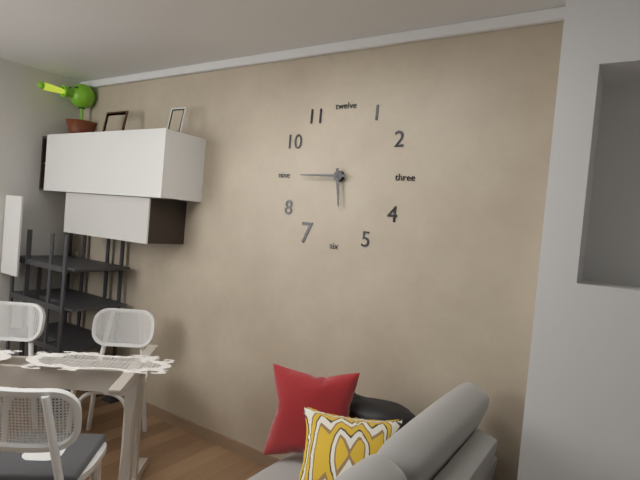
**5:45**
